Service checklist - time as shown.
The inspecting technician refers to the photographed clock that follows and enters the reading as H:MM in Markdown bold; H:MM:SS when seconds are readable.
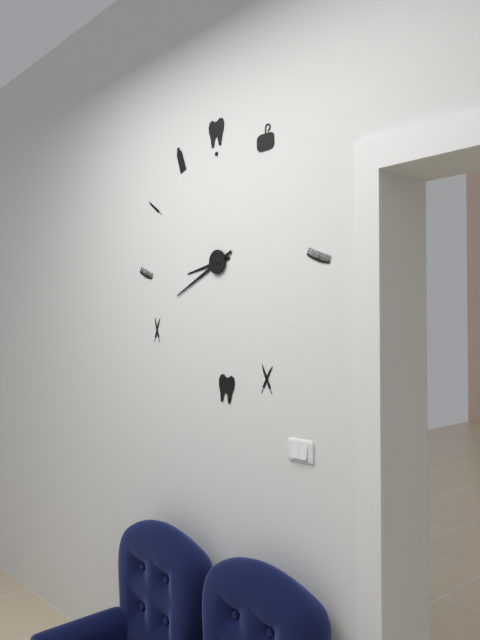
**8:41**
